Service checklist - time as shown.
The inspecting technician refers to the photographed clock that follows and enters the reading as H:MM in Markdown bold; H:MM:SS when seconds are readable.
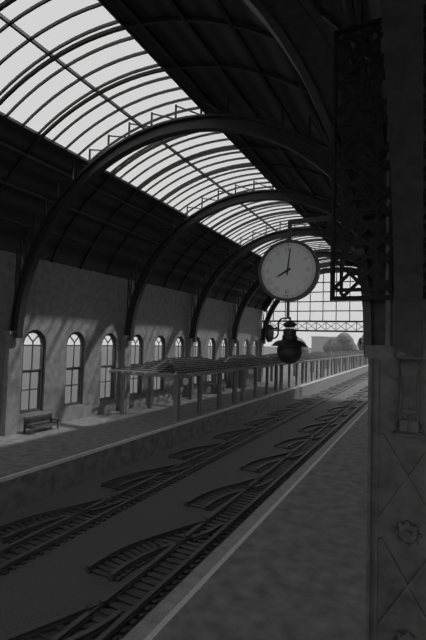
**8:01**
